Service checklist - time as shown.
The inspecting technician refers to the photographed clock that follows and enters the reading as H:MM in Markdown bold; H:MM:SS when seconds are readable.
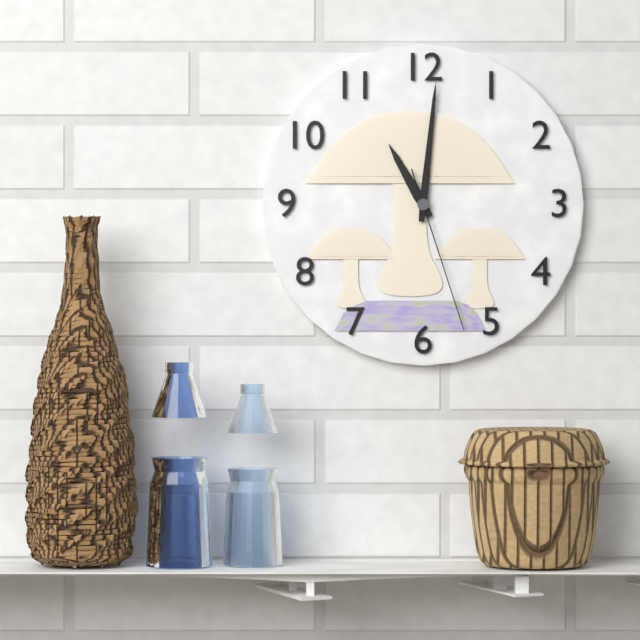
**11:01:27**
